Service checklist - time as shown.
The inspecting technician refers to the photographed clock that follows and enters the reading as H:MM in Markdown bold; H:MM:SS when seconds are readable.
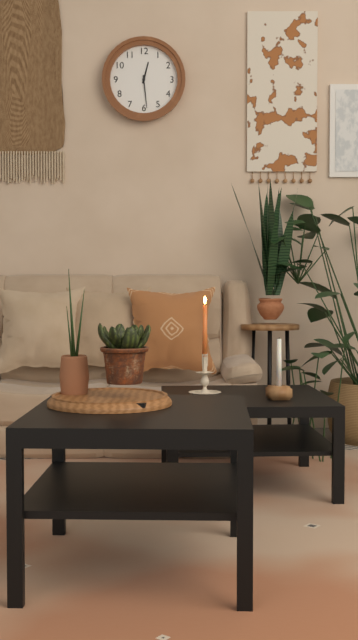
**12:29**
